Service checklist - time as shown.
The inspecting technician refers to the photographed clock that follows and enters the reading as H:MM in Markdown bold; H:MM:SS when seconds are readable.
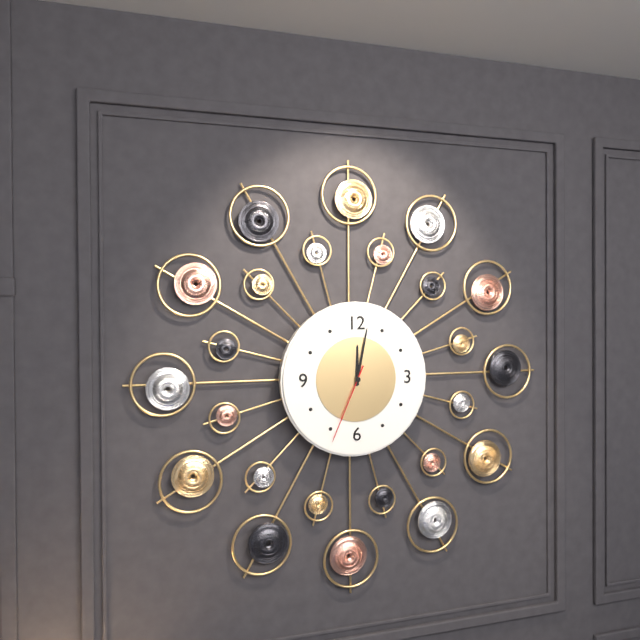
**12:02:34**
